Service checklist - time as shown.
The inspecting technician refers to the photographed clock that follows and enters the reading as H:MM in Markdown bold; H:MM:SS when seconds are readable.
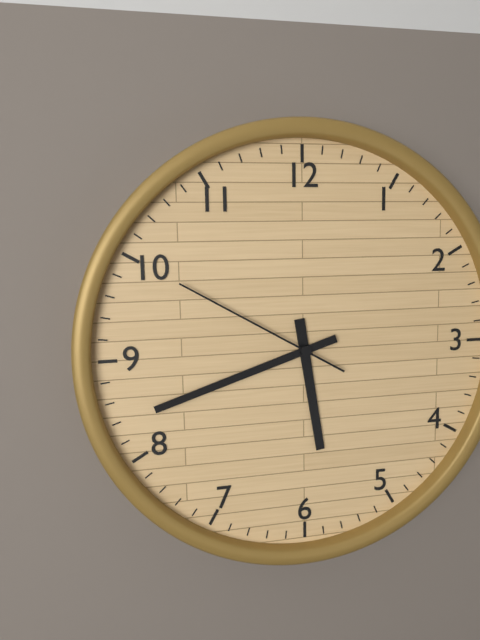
**5:42:50**
